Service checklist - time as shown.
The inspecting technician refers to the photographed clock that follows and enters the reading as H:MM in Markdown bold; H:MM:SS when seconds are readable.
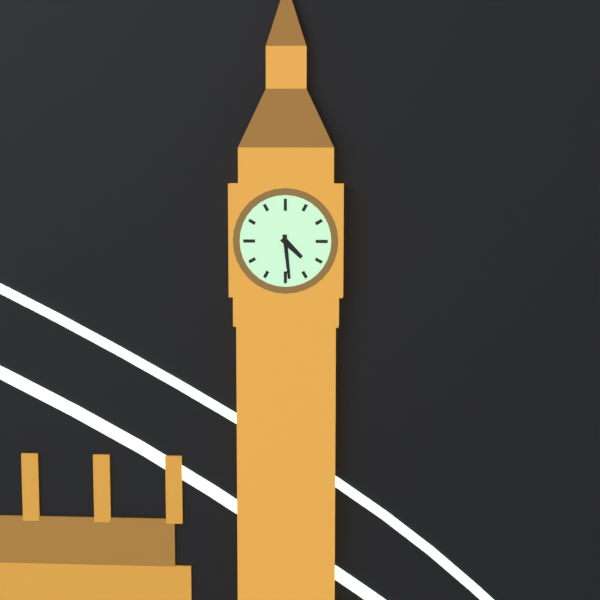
**4:29**
